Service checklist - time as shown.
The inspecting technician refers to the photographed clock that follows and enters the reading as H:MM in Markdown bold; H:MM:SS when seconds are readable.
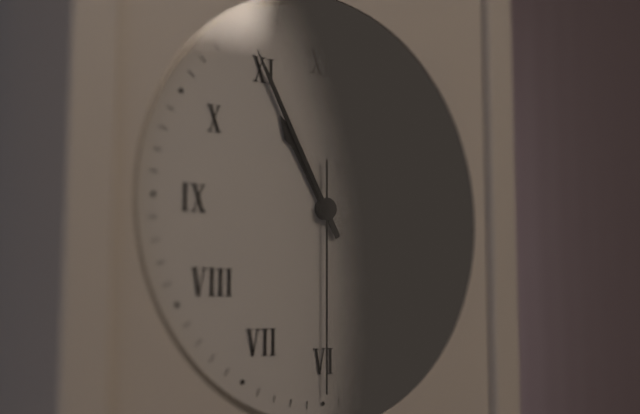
**10:55:30**
